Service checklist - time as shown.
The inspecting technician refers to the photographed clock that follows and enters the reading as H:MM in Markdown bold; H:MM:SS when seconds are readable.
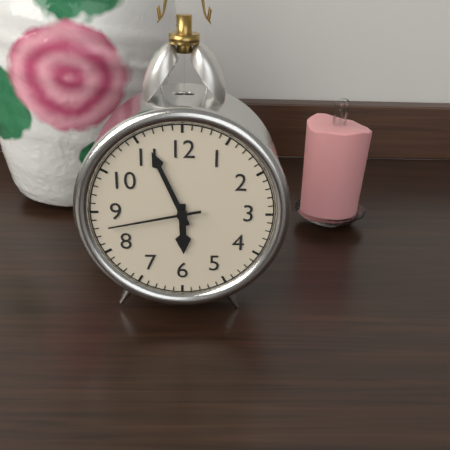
**5:56:43**
